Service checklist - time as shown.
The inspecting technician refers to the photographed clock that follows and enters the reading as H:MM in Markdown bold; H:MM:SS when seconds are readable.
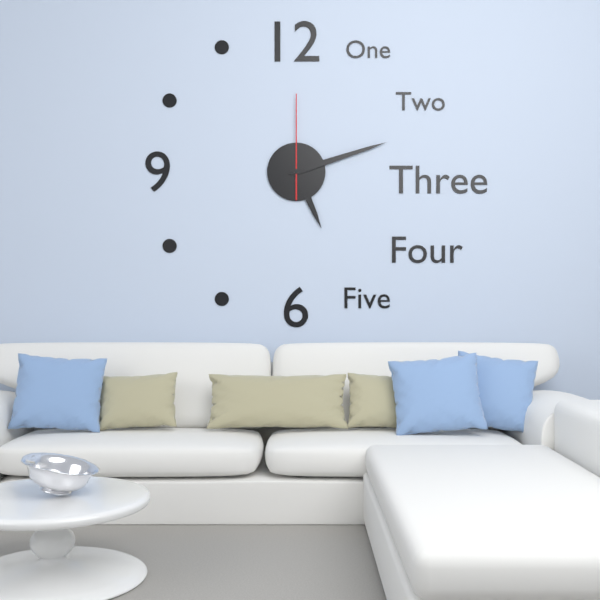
**5:12:00**
